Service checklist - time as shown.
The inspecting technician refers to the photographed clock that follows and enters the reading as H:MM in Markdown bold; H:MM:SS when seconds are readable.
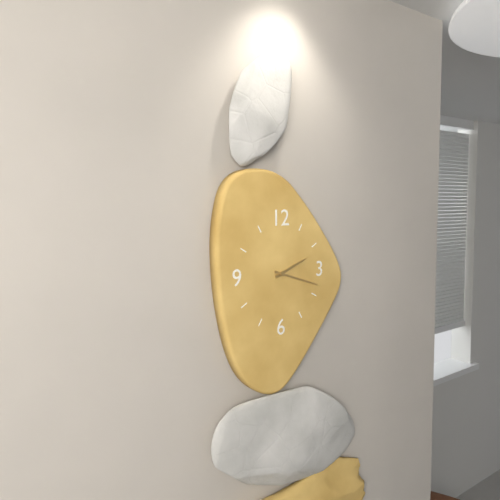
**2:18**
